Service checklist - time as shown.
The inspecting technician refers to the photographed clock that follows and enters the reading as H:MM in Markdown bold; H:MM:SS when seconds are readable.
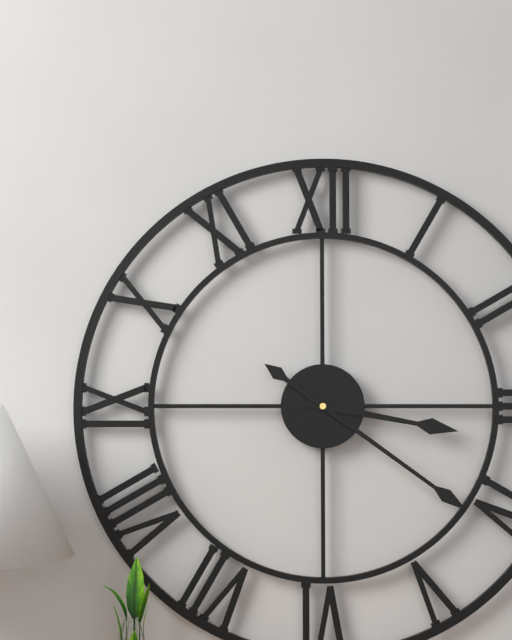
**3:21**
